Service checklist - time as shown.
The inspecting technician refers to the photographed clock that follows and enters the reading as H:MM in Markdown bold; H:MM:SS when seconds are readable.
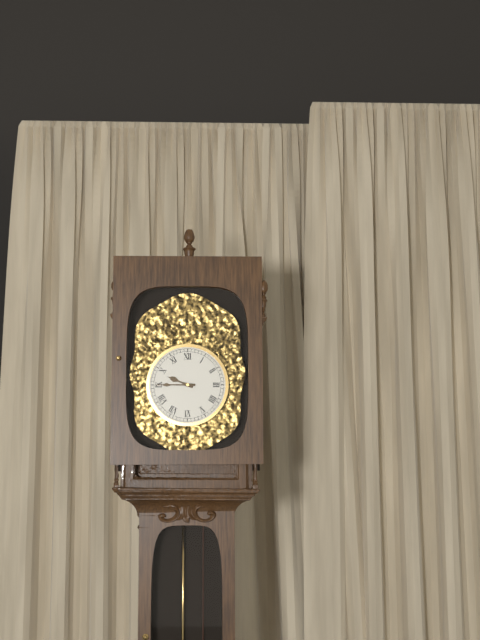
**9:45**
